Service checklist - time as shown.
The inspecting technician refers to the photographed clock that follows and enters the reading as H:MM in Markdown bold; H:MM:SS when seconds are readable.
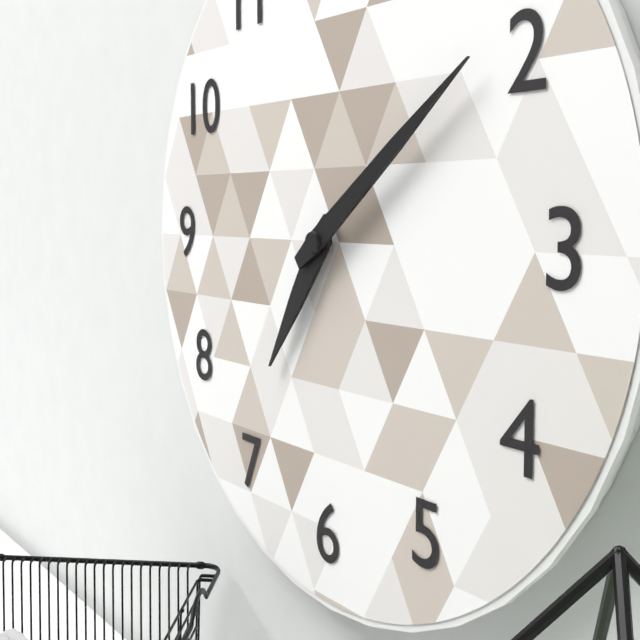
**7:09**
